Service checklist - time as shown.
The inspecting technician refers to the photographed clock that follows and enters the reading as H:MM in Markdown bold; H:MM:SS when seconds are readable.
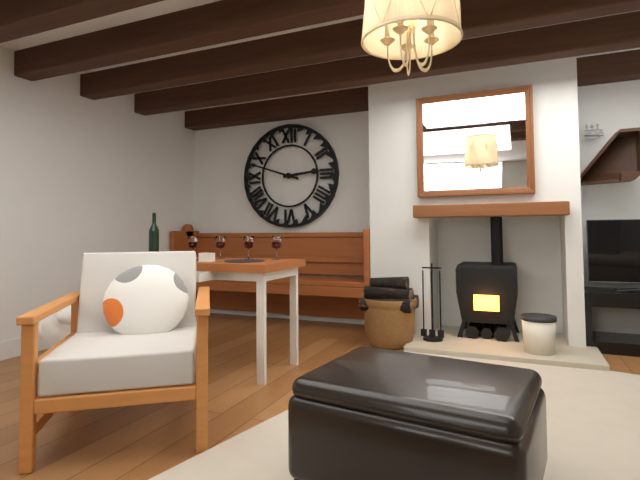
**2:48**
